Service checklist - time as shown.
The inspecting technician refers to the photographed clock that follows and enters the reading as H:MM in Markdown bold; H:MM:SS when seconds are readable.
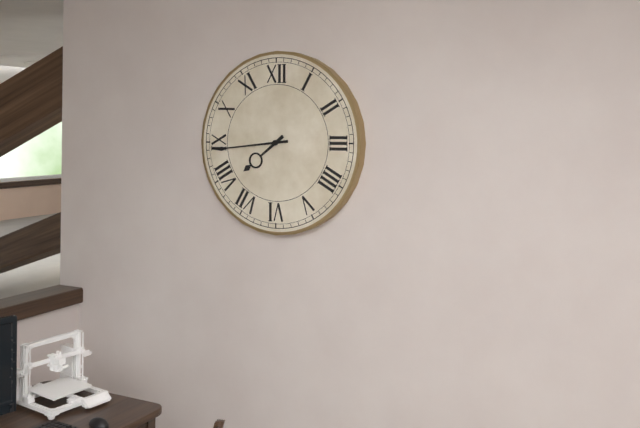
**7:44**
